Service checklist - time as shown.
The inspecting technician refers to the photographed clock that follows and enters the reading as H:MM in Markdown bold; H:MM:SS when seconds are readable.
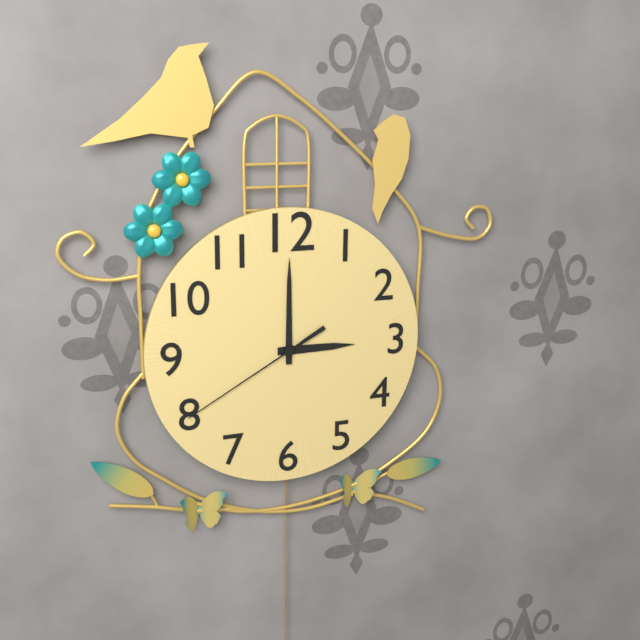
**3:00:40**
